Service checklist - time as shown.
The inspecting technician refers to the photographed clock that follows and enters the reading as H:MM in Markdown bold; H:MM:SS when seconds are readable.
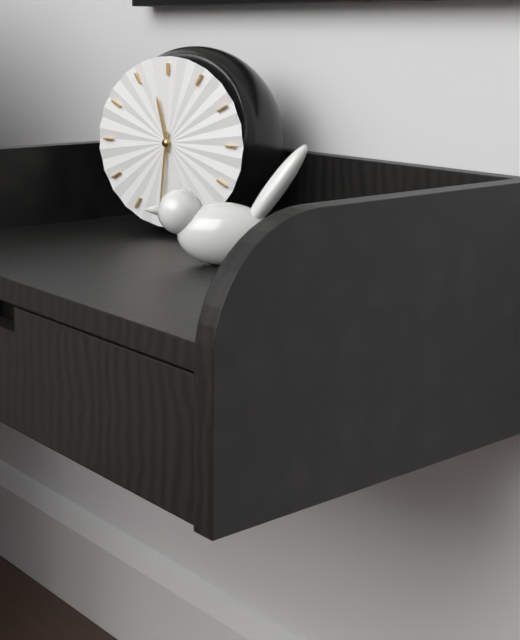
**11:31**
